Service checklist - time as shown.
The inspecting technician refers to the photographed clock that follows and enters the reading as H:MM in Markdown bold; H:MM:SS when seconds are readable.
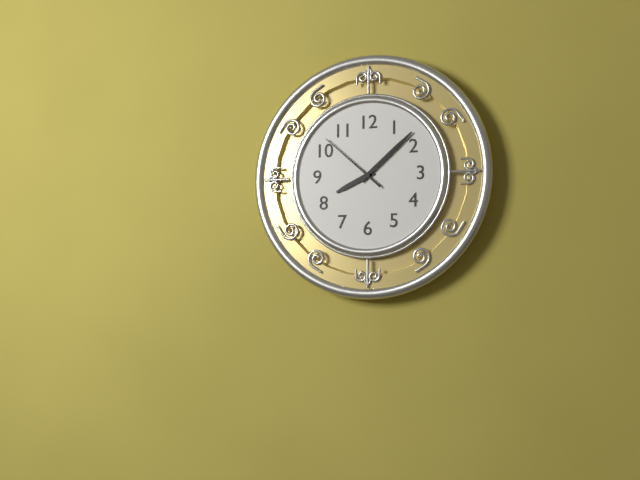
**8:08:52**
